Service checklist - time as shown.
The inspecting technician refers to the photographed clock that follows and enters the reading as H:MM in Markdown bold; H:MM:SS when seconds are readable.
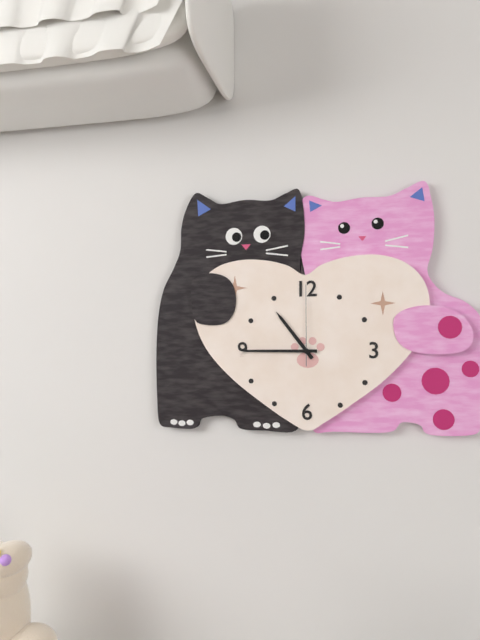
**10:45:00**
